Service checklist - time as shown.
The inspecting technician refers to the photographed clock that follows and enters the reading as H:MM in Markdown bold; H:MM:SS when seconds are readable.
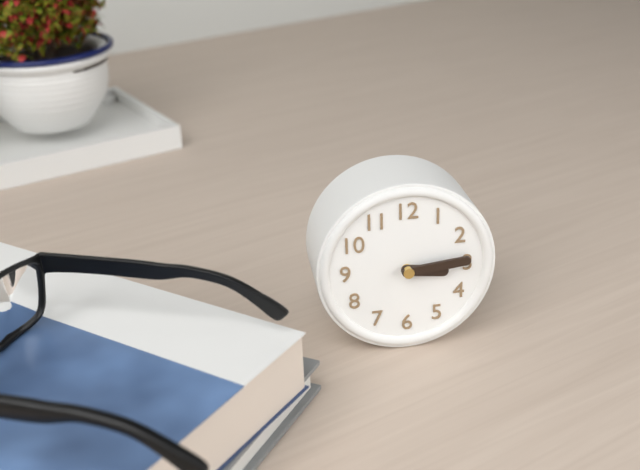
**3:14**
